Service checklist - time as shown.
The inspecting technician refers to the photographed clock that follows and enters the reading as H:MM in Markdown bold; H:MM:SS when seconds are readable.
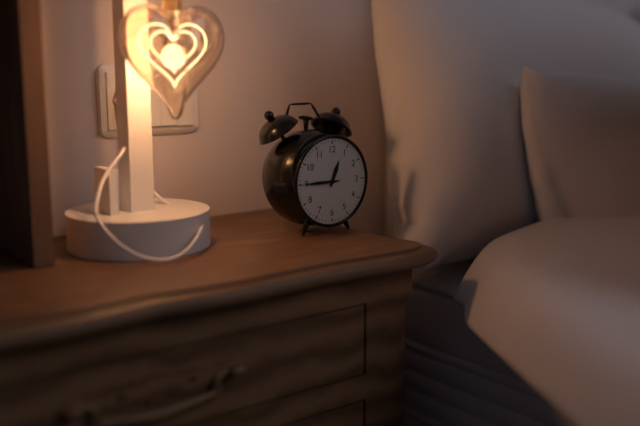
**12:45**
